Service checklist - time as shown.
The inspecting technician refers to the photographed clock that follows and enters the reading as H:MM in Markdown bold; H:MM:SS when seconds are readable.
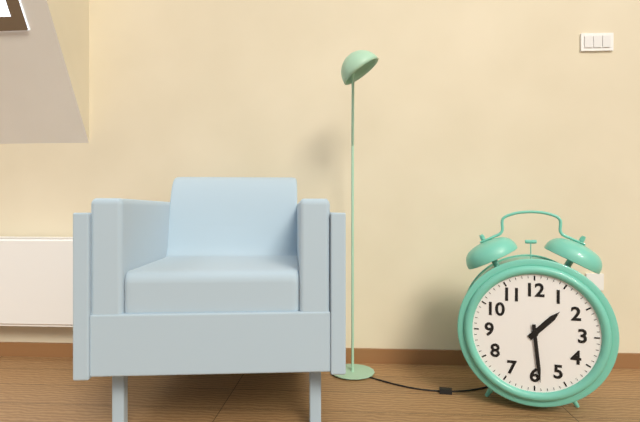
**1:29**
